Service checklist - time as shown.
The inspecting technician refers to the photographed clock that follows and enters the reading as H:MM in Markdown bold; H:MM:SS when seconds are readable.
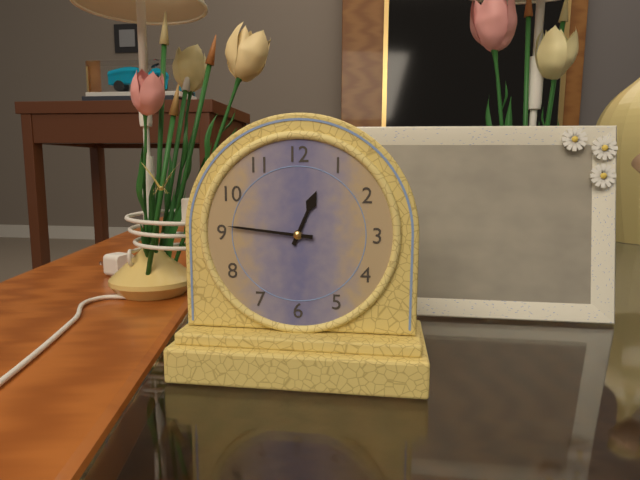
**12:46**
